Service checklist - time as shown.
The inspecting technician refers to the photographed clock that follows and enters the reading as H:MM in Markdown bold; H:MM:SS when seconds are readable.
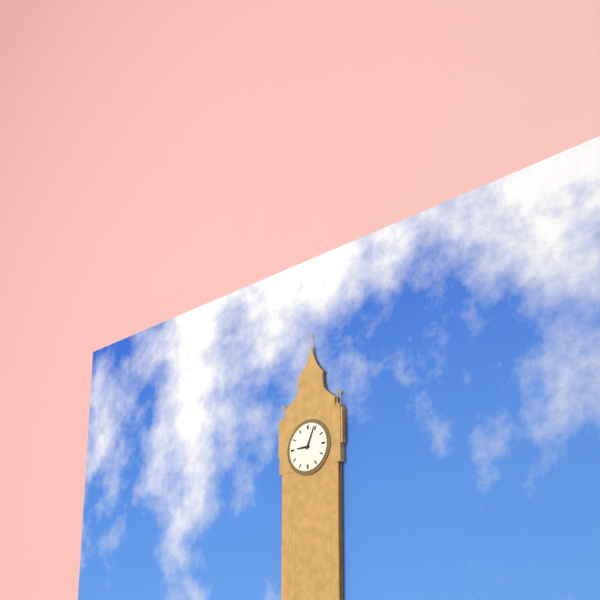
**9:04**
